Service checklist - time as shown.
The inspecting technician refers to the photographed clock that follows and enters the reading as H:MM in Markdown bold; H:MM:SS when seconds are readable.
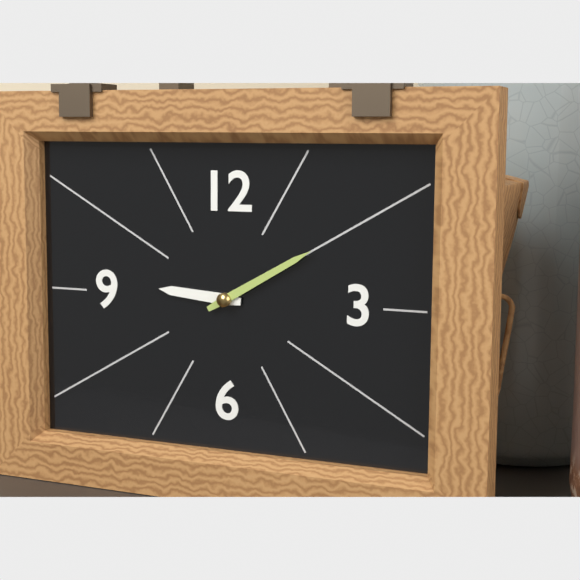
**9:10**
